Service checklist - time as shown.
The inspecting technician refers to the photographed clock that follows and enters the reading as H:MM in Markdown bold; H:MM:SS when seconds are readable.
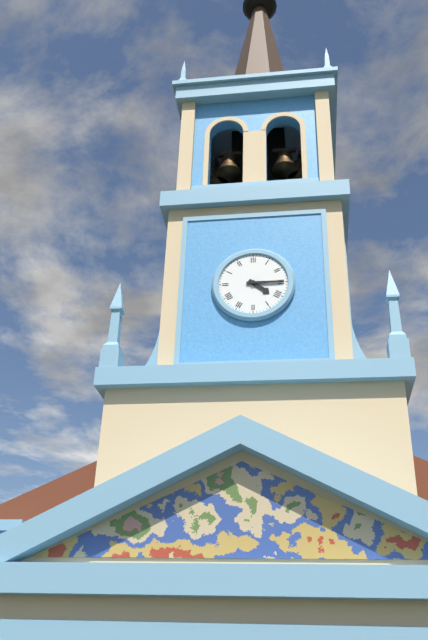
**4:15**
